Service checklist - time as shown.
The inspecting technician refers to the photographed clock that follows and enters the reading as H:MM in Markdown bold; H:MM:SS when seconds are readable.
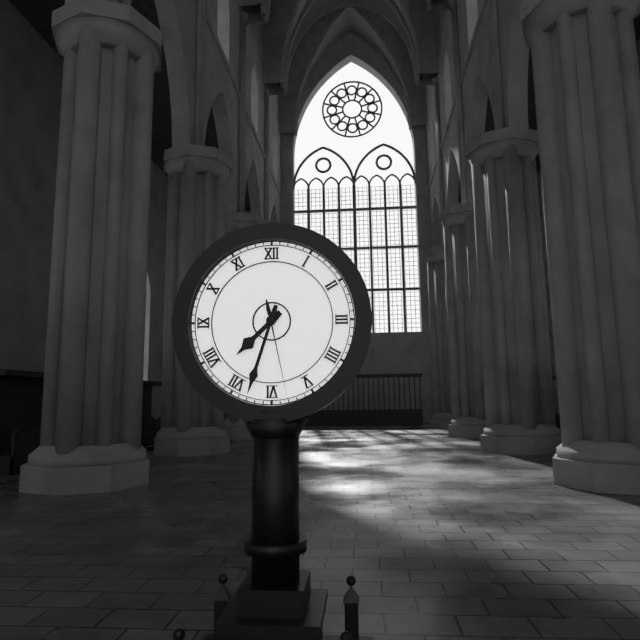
**7:33:28**
